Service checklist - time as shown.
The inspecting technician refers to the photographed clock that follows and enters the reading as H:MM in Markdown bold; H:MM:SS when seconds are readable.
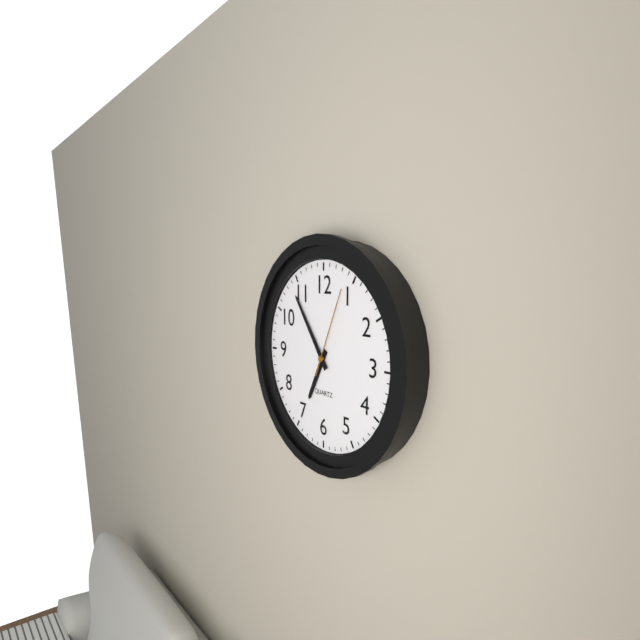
**6:54:04**
